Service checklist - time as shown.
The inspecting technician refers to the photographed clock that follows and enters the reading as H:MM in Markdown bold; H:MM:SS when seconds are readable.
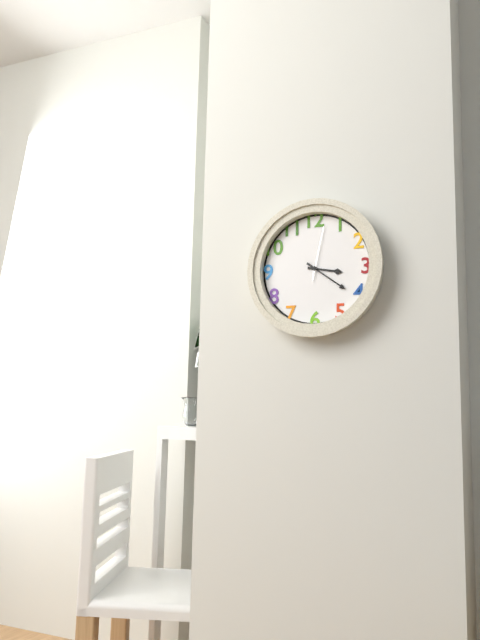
**3:21:02**
